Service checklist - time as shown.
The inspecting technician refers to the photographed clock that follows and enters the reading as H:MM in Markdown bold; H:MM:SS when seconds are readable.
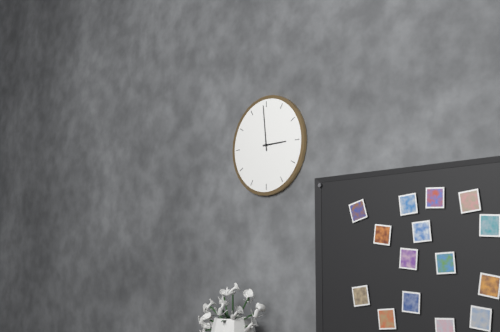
**2:59**
